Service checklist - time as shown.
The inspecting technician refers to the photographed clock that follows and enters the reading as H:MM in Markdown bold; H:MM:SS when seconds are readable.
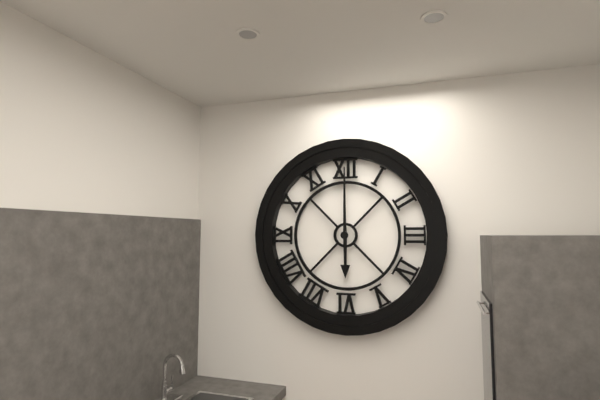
**6:00**
